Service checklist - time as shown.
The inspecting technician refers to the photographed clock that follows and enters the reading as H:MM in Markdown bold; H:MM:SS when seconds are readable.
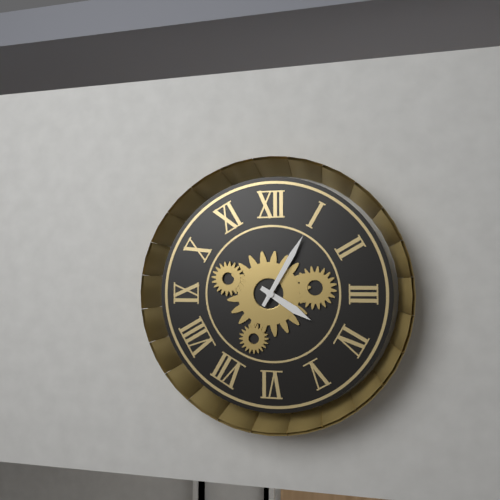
**4:05**
